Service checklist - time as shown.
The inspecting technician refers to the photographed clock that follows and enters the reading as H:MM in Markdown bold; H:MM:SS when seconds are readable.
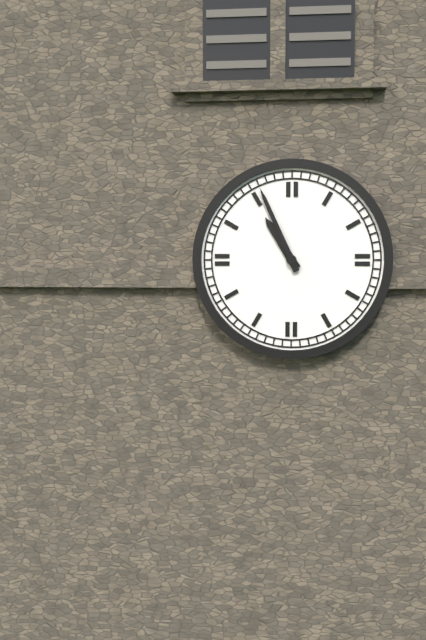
**10:56**
